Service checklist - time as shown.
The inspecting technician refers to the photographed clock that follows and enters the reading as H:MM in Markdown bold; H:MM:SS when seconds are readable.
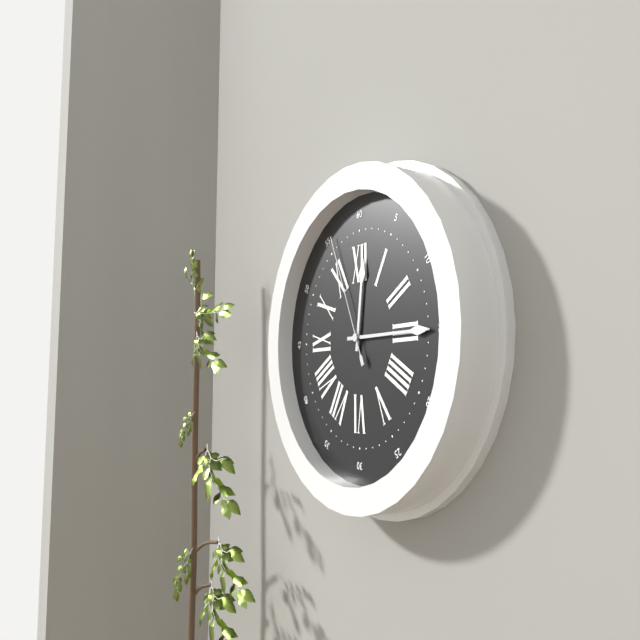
**12:15:56**
